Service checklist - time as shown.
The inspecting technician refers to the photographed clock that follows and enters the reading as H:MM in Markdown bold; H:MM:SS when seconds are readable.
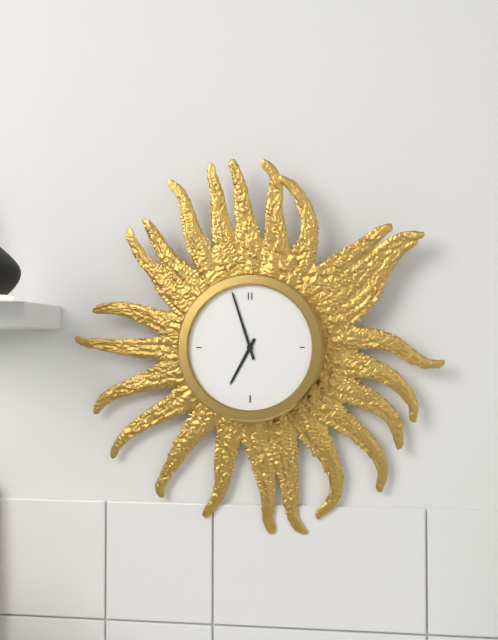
**6:57**
